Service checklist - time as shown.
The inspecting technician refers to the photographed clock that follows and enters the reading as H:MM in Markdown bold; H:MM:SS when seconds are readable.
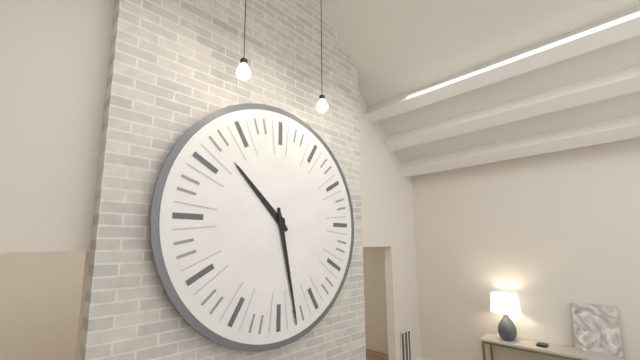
**10:28**
